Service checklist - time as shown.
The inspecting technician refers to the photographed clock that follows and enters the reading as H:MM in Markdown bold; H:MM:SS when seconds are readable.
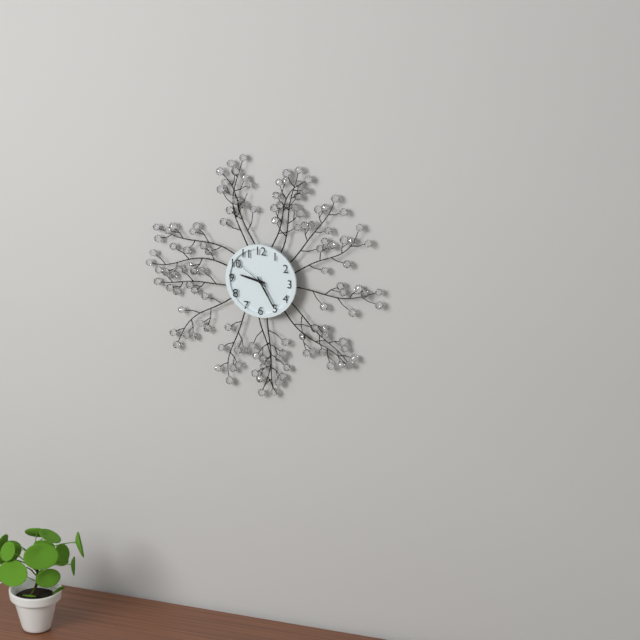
**9:25**
